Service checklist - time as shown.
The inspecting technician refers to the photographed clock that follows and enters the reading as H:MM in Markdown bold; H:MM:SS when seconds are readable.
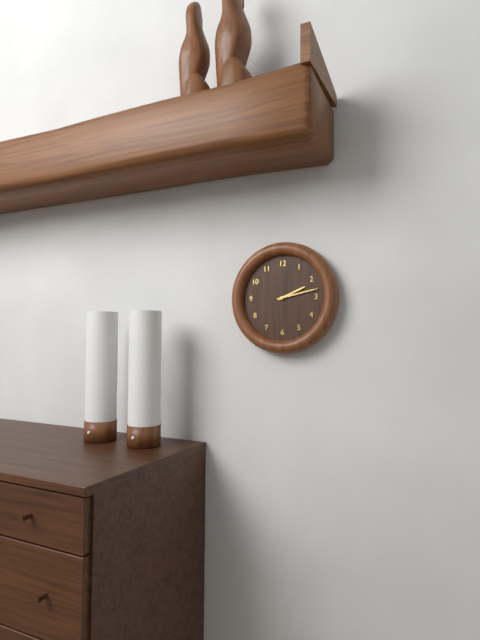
**2:13**
